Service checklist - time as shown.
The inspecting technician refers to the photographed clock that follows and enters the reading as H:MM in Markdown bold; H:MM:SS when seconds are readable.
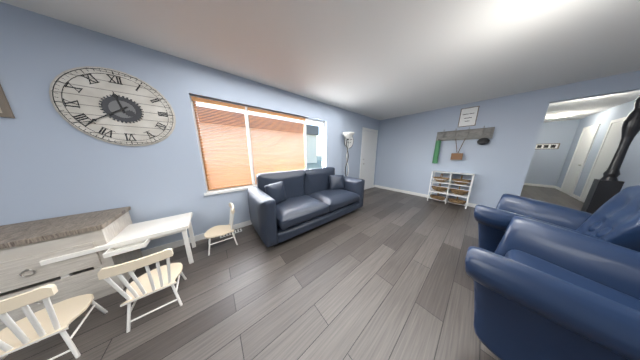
**11:39**
